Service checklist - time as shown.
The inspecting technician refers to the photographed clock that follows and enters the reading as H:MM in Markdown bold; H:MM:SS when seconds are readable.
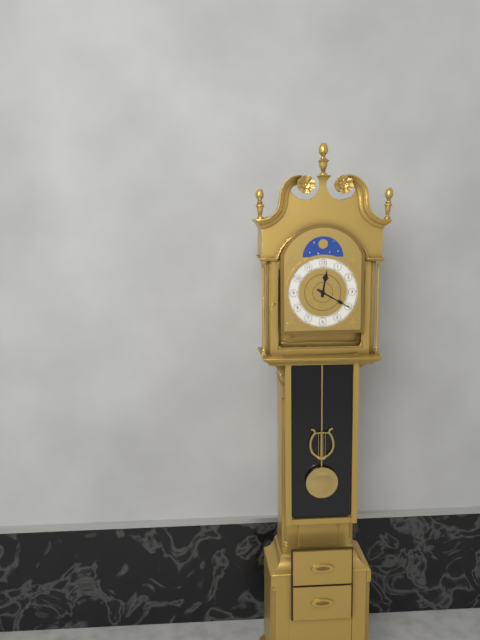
**12:20**
